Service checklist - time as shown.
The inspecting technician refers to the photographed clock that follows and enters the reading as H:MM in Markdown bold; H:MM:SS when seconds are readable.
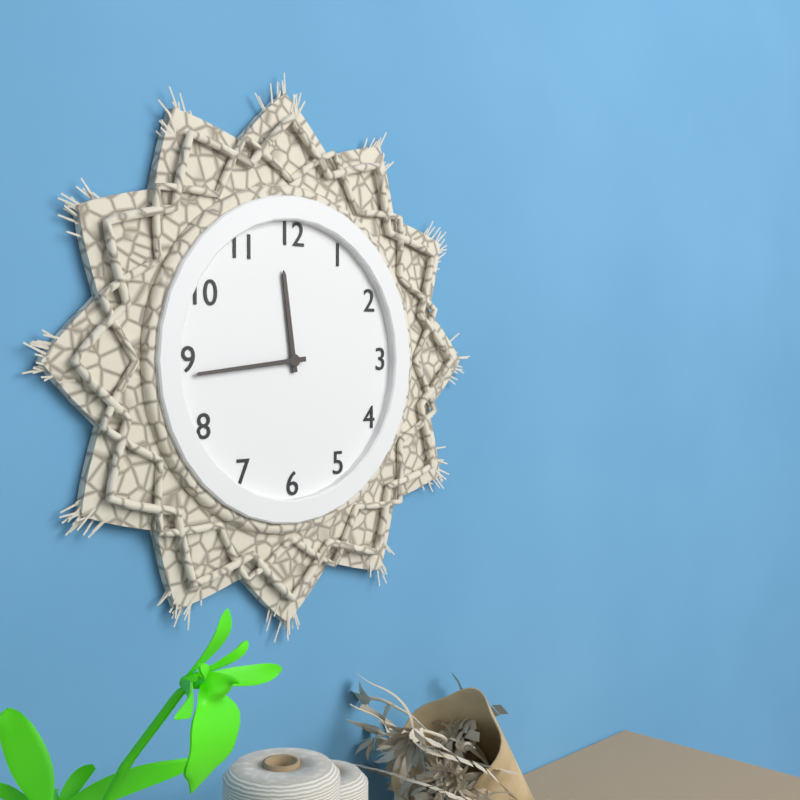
**11:44**
